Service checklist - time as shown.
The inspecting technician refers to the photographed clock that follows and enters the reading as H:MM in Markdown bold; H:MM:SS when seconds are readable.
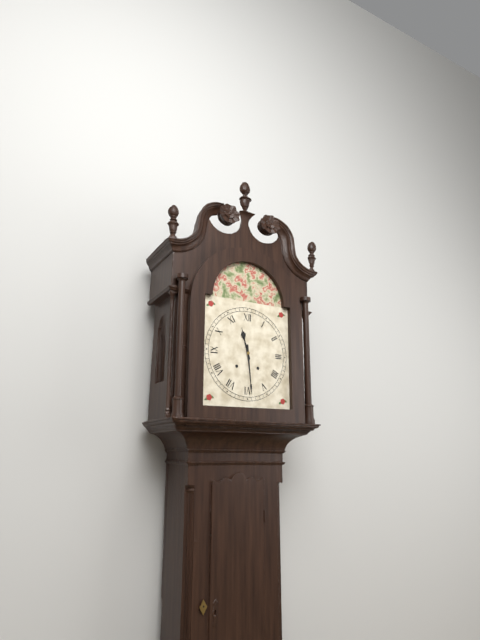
**11:29**
